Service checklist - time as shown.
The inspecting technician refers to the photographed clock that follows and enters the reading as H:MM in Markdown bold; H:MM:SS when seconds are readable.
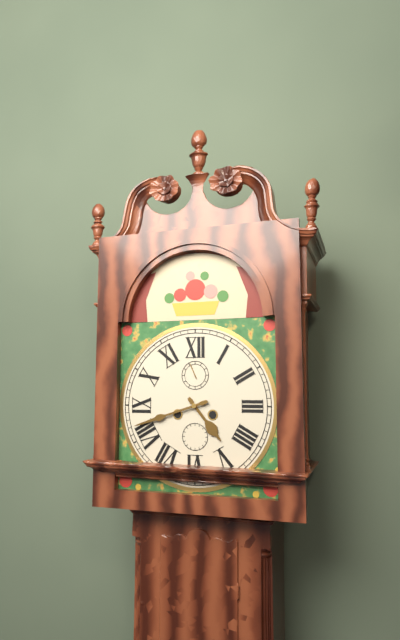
**4:42**
